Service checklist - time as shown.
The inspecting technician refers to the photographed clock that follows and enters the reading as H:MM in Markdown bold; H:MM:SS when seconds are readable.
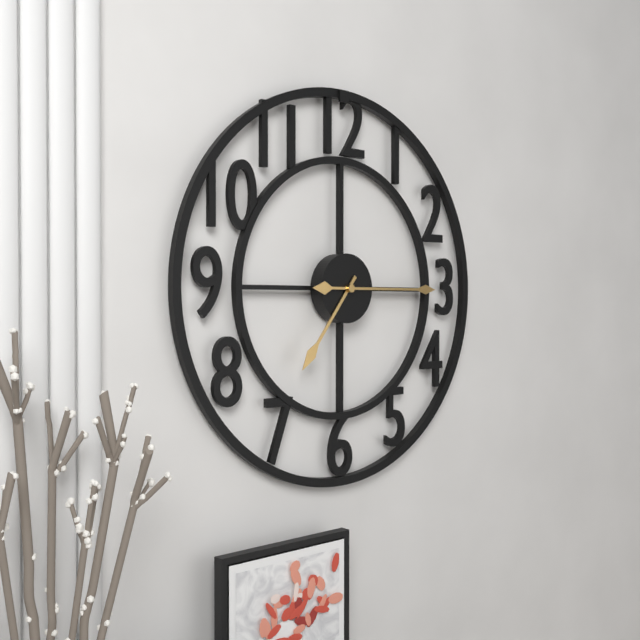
**7:15**
